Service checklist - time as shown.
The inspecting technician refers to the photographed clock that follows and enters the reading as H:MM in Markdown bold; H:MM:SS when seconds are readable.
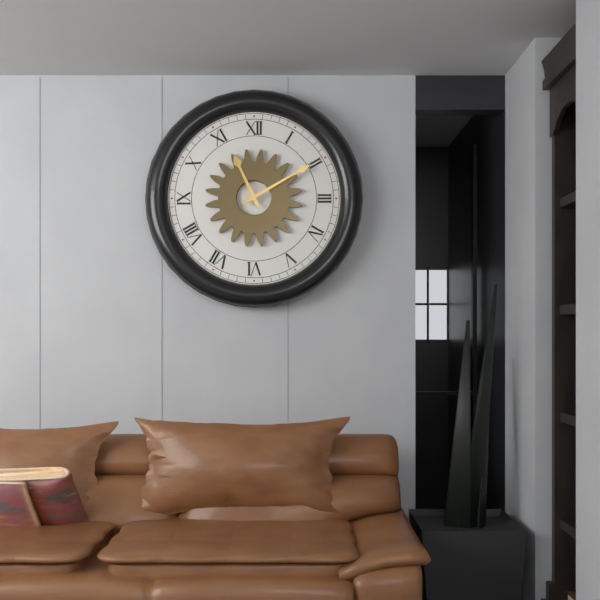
**11:10**
